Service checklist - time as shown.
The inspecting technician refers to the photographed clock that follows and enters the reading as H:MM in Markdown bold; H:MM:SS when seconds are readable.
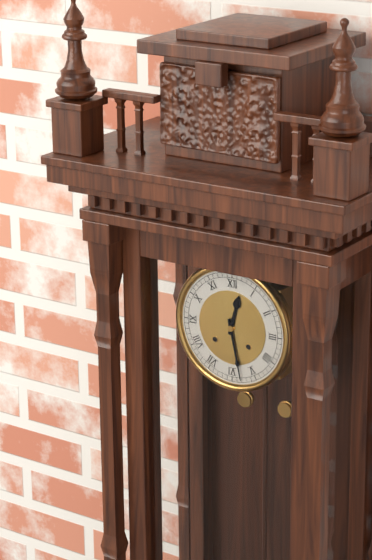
**12:28**
